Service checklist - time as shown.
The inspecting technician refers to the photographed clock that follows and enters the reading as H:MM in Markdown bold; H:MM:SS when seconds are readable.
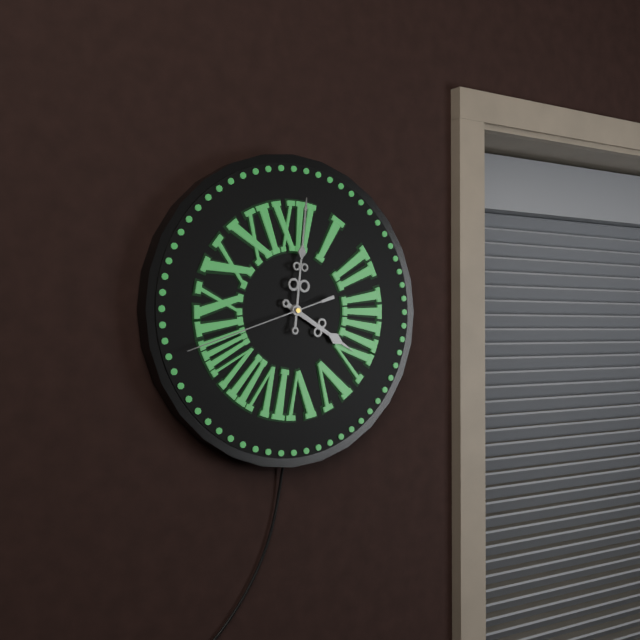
**4:01:42**
